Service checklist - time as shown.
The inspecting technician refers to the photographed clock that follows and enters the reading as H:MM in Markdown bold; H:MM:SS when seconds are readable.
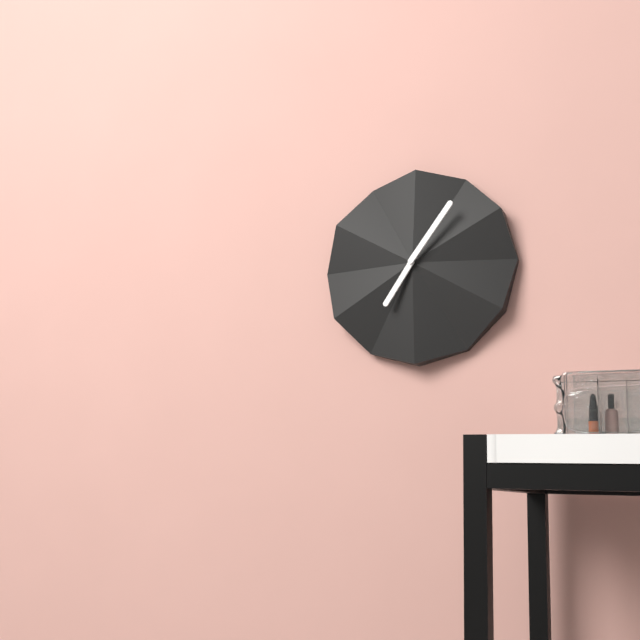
**7:06**
